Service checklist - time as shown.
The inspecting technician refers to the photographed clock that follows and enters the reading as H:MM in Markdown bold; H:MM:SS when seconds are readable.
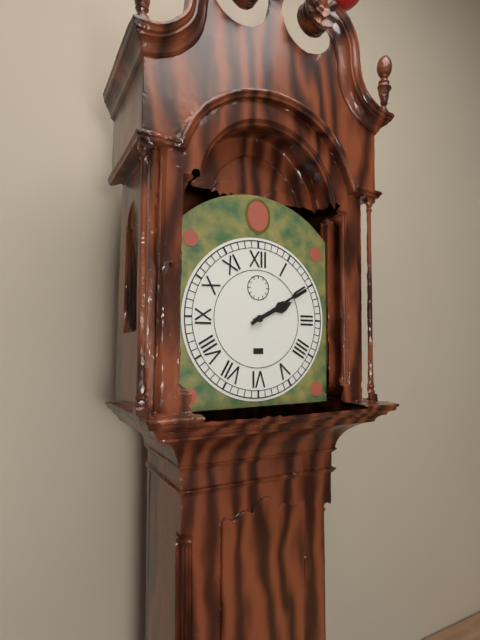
**2:10**
